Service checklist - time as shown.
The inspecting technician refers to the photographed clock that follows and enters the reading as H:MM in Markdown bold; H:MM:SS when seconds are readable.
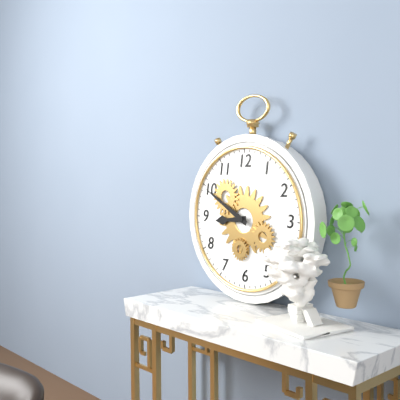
**8:50**
